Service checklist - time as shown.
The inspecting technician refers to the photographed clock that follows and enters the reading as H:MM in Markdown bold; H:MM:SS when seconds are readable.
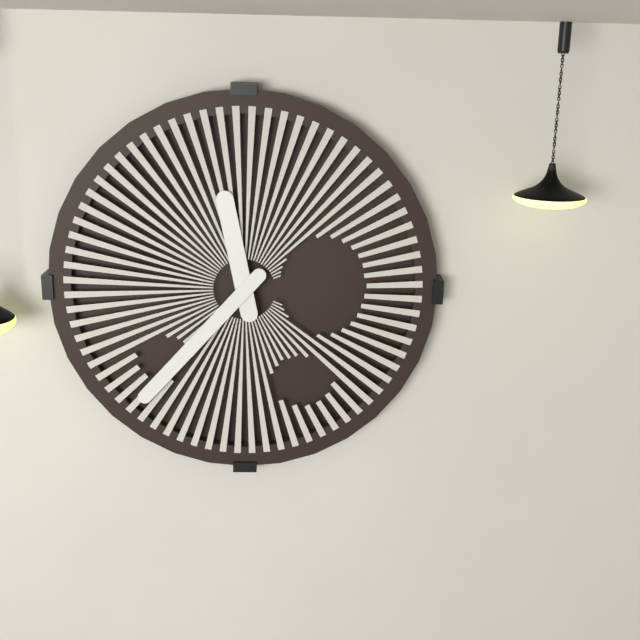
**11:37**
